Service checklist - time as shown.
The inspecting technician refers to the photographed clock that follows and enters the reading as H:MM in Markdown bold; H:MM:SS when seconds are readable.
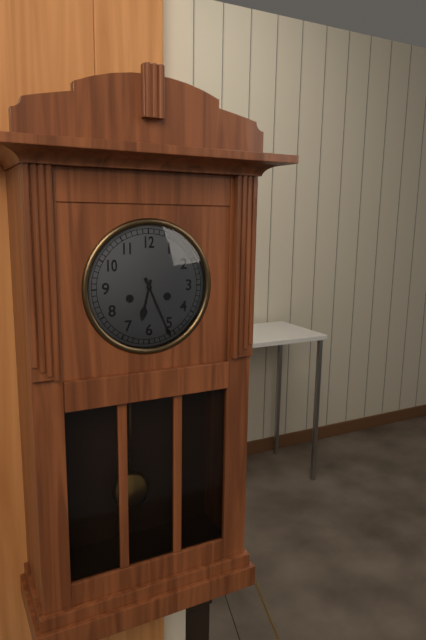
**6:26**
